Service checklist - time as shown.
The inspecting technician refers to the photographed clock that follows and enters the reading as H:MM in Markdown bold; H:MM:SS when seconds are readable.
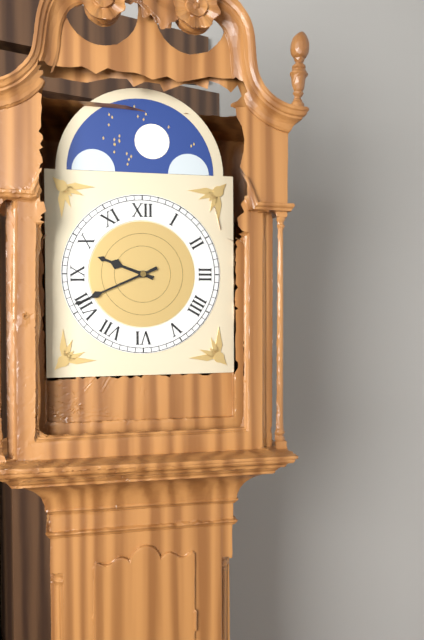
**9:41**
